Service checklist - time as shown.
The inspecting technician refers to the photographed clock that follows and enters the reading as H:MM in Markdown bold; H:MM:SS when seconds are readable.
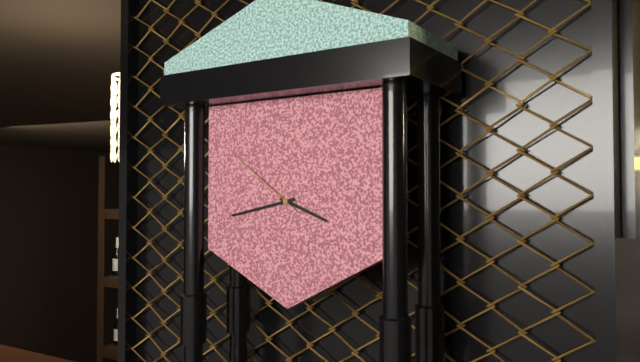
**3:43:51**
